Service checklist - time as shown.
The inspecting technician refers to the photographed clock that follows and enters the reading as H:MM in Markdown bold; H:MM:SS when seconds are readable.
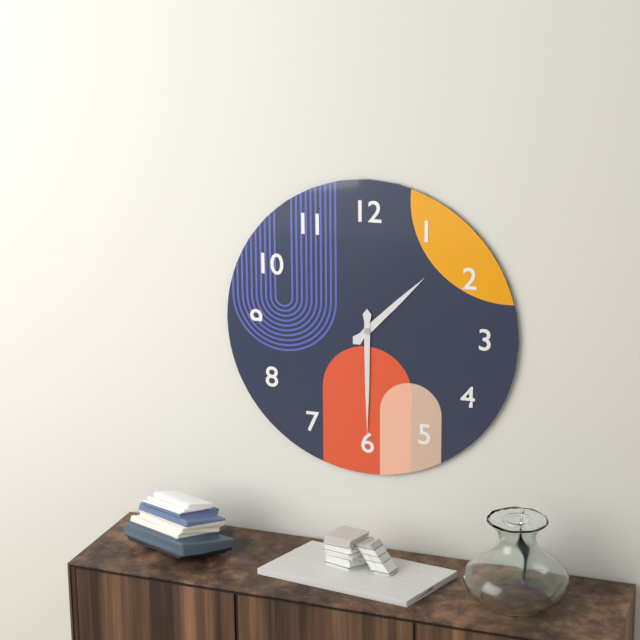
**1:30**
